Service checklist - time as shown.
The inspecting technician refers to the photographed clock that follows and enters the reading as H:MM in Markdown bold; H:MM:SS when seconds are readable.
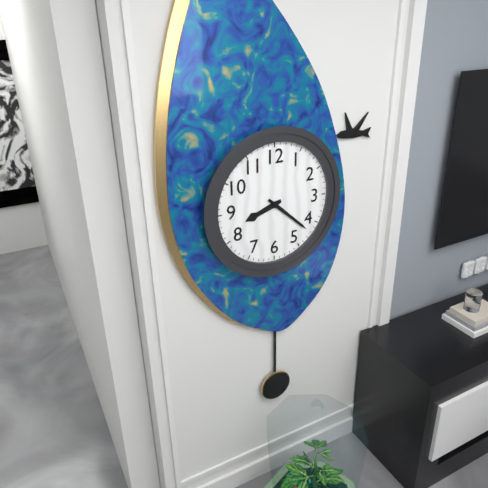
**8:22**
